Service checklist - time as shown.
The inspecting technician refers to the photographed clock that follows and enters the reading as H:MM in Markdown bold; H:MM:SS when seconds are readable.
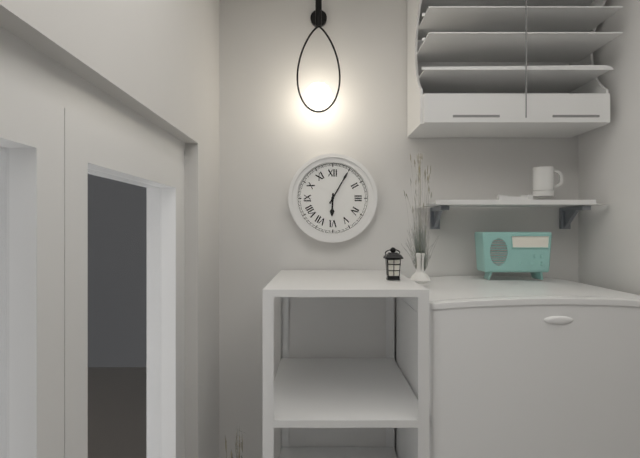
**6:05**
